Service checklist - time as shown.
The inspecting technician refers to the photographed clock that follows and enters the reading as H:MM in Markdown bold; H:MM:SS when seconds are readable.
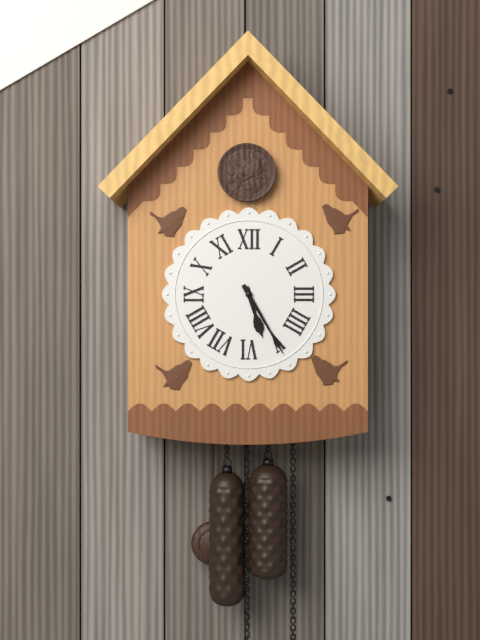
**5:25**
